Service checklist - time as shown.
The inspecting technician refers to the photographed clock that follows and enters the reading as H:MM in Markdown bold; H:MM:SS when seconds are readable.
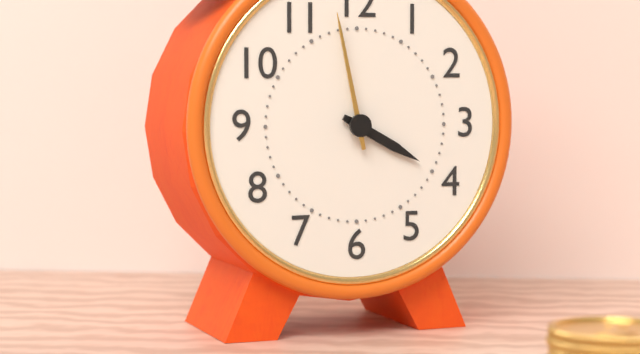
**3:58**
